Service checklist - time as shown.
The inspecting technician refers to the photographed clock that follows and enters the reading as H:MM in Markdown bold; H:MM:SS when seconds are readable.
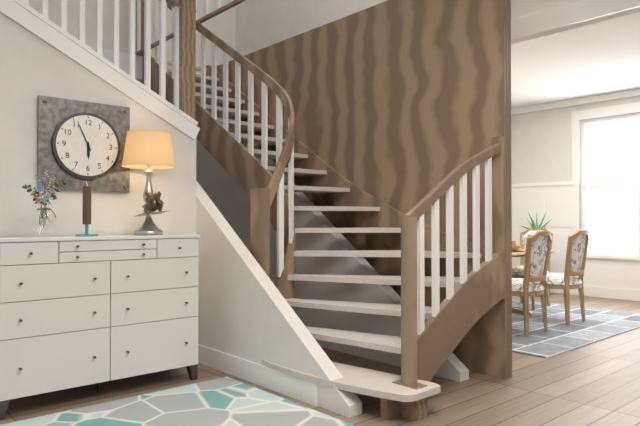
**5:56**
